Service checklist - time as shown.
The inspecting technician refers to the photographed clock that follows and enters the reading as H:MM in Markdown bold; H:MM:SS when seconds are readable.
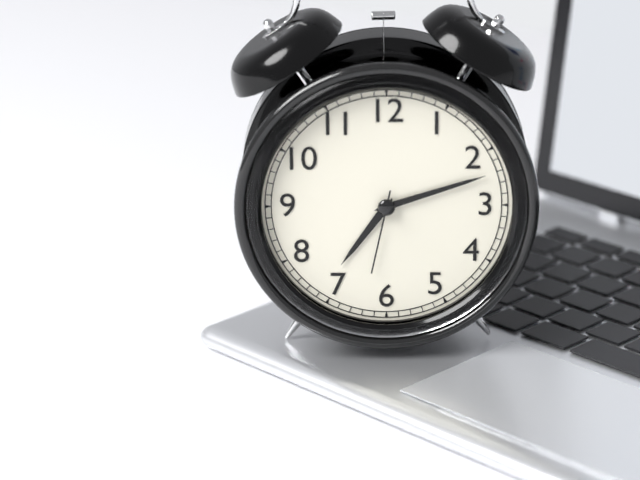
**7:12:32**
